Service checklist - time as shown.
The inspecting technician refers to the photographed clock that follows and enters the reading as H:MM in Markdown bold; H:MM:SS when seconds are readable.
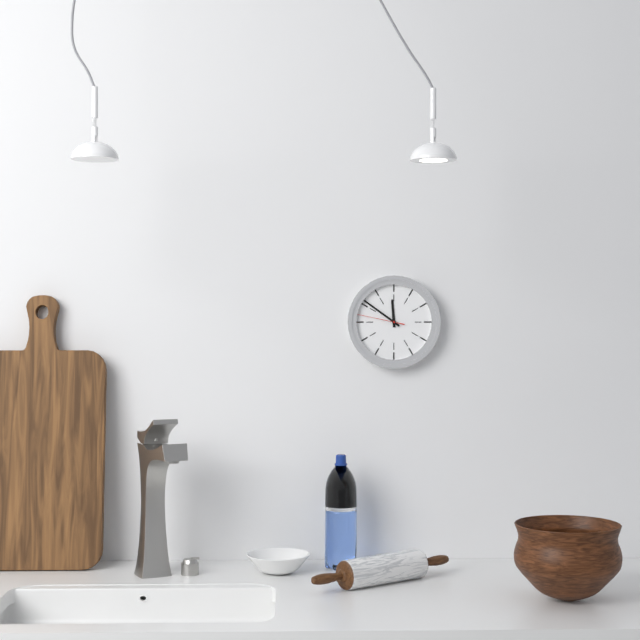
**11:51**
